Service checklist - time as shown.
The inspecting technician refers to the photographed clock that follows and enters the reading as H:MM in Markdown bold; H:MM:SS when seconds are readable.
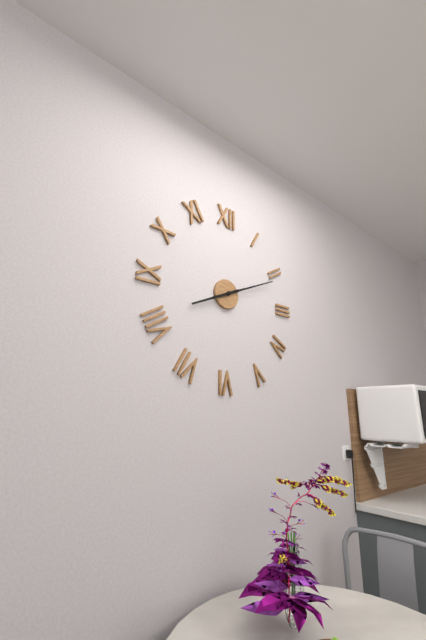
**8:11**
